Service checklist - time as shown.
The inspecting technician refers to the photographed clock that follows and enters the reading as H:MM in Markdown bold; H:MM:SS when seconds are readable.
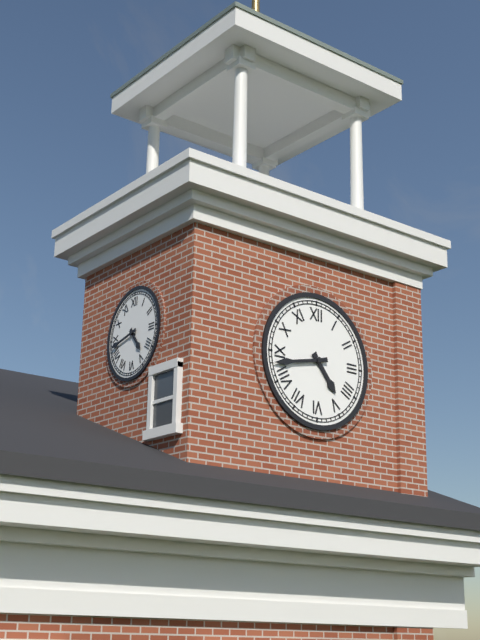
**4:43**
